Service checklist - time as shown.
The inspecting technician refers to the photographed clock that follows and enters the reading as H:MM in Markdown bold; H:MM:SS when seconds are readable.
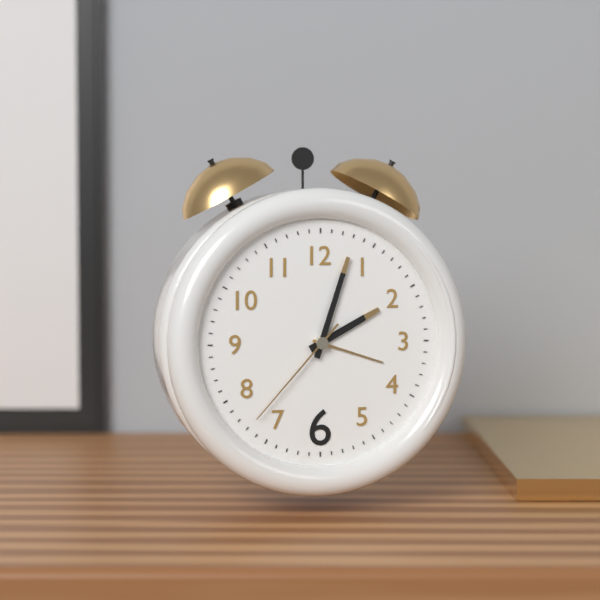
**2:03:37**
